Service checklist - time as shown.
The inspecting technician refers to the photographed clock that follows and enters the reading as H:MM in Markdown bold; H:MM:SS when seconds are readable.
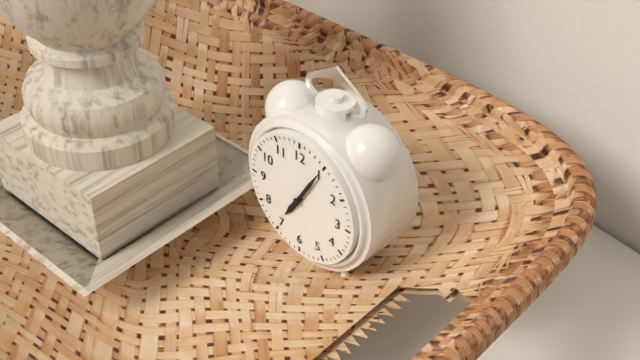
**7:05**
